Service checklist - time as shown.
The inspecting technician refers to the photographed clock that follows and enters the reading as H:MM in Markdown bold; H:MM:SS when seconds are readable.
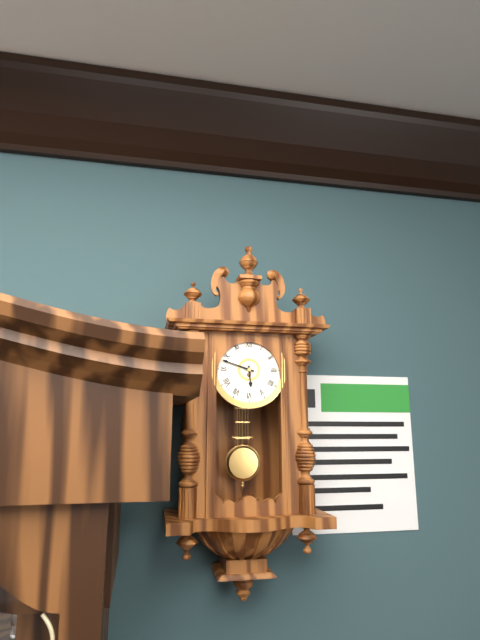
**5:48**
